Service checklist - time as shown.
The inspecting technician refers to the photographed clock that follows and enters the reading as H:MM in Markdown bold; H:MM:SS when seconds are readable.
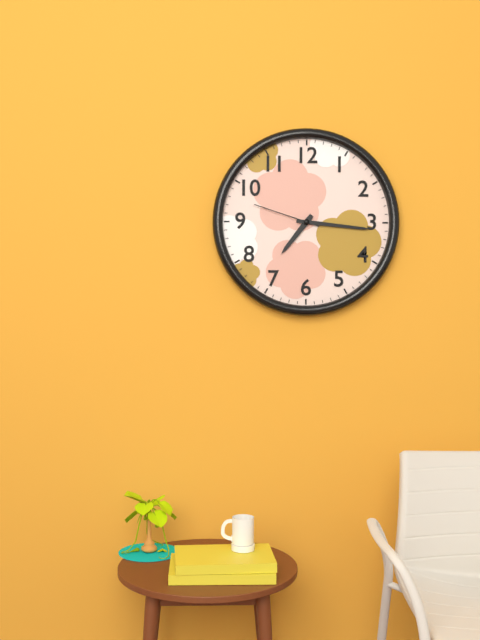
**7:16:48**
